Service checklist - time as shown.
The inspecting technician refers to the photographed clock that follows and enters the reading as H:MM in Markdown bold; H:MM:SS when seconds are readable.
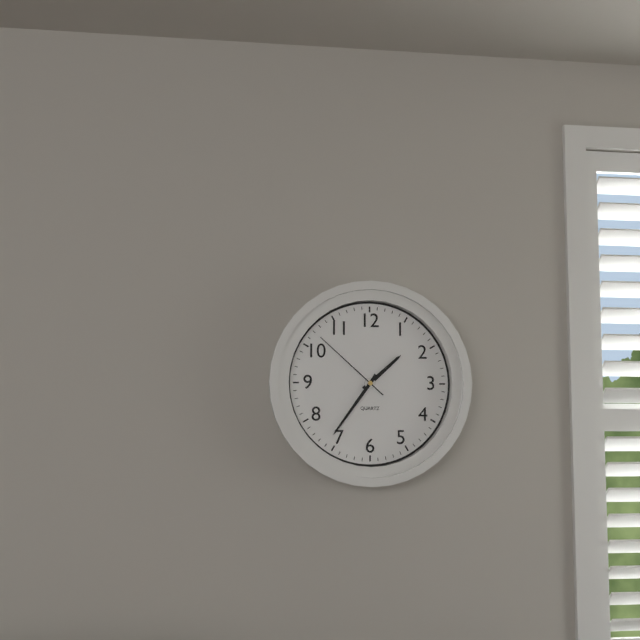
**1:36:52**
